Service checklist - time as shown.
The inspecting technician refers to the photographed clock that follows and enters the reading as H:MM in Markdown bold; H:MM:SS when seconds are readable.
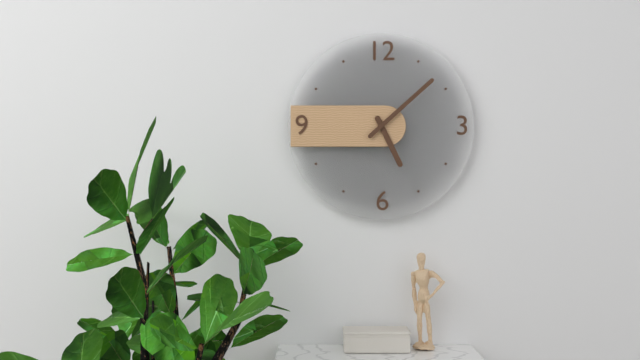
**5:08**
